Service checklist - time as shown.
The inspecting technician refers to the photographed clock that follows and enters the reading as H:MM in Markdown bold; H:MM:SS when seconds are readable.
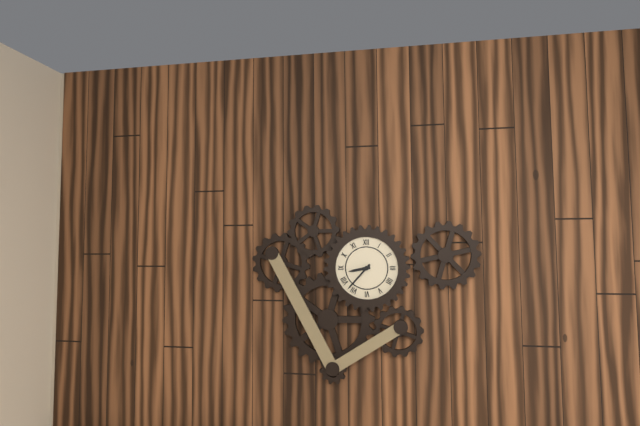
**8:37**
